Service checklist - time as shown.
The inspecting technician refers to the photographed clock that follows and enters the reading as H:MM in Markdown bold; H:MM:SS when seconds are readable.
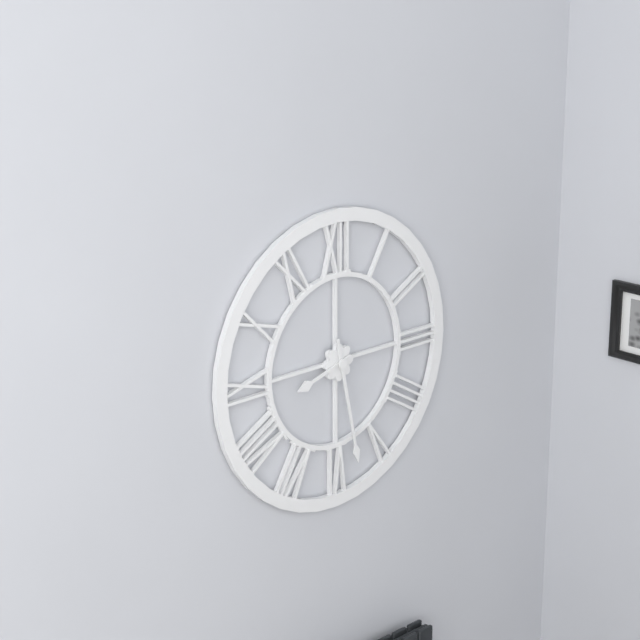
**8:28**
